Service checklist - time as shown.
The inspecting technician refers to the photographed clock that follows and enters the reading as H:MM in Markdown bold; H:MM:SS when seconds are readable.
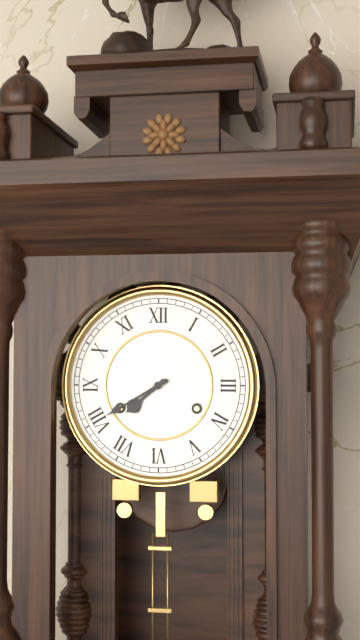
**7:40**
